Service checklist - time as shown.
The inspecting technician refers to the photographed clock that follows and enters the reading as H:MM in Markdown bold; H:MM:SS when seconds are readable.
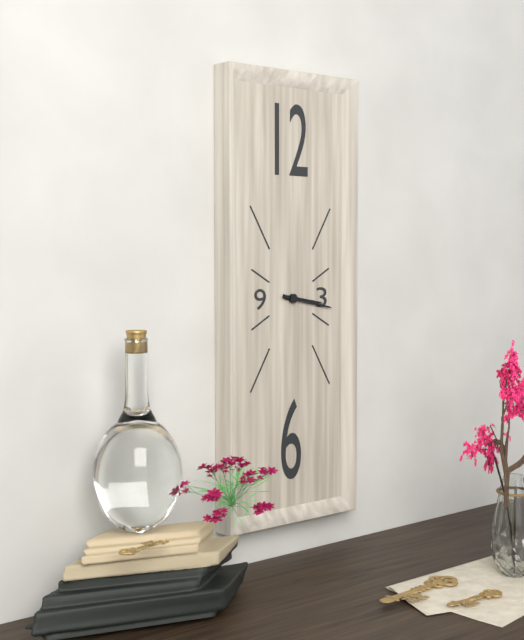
**3:17**
